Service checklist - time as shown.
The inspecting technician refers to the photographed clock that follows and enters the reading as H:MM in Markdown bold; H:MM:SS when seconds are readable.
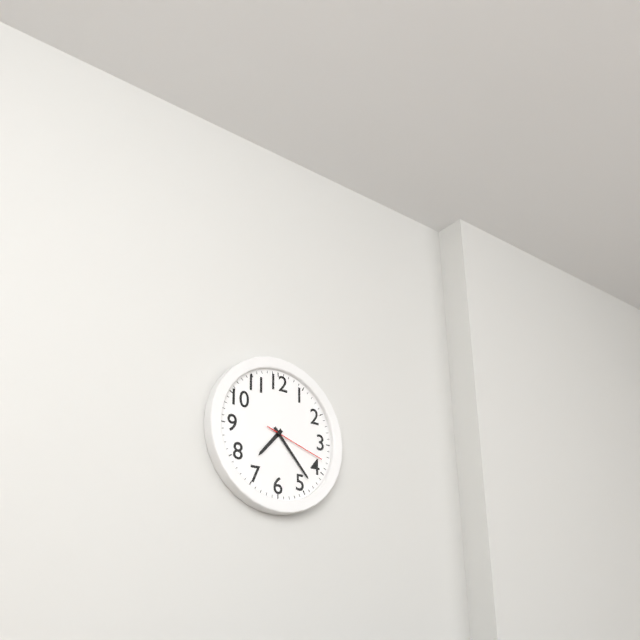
**7:23:18**
